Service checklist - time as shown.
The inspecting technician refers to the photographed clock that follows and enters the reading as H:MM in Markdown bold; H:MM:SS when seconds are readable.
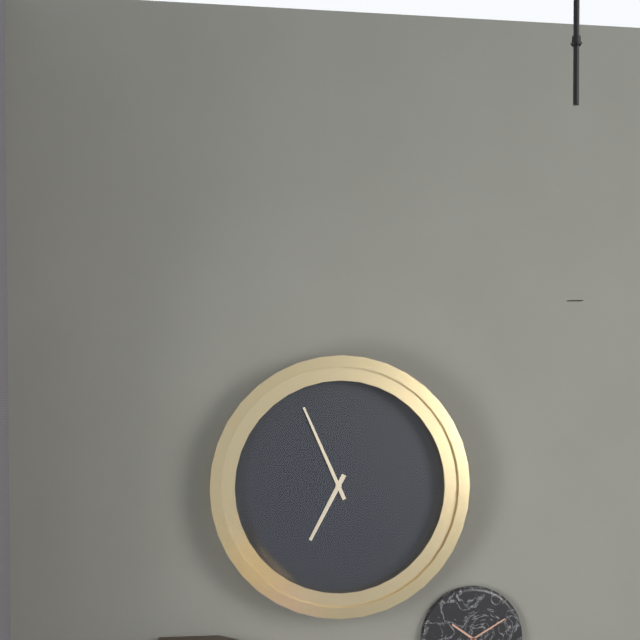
**6:56**
